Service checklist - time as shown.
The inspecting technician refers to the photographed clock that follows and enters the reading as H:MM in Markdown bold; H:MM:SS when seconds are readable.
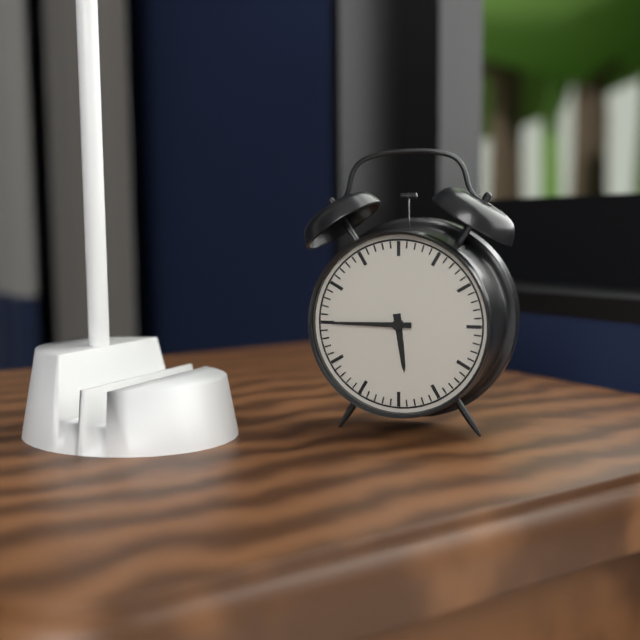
**5:45**
